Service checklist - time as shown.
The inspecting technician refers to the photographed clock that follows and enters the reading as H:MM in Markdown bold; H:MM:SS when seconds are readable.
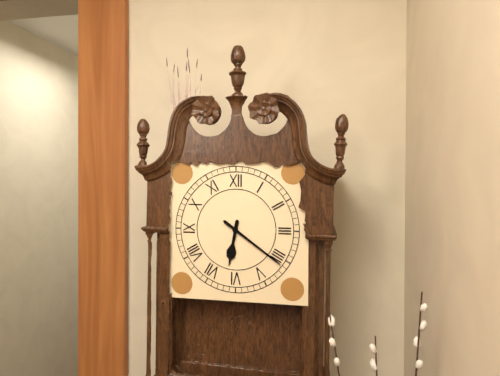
**6:21**
